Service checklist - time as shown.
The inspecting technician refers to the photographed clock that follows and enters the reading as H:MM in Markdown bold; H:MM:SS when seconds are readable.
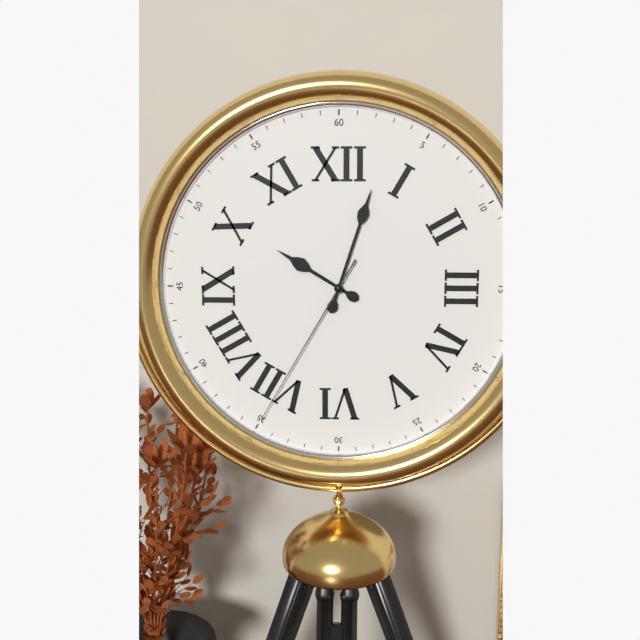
**10:03:35**
